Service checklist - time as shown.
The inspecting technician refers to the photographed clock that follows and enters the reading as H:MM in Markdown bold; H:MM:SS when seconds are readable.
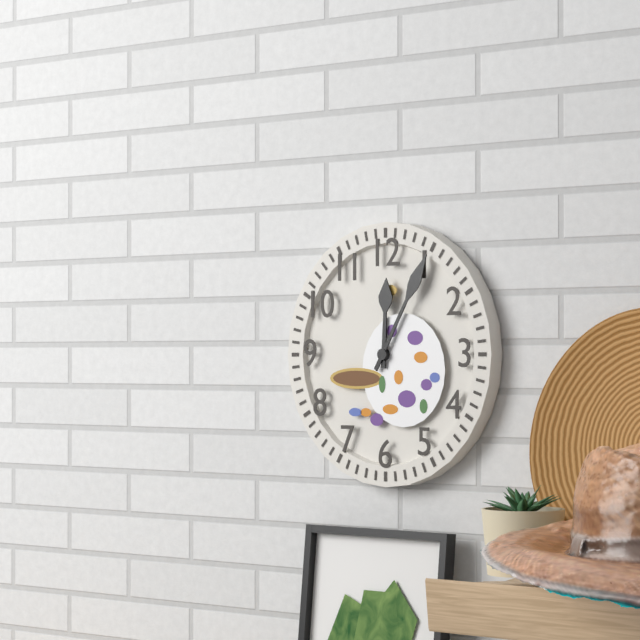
**12:05**
